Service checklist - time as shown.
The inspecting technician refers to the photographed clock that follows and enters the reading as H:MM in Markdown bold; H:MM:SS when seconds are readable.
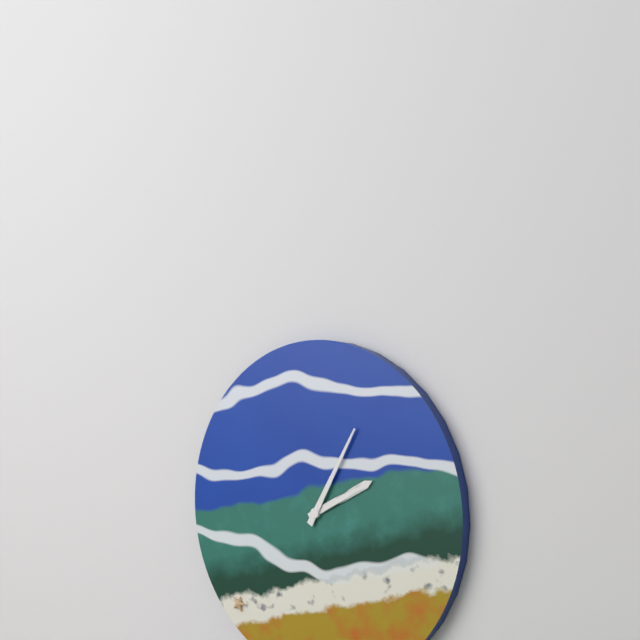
**2:05**
